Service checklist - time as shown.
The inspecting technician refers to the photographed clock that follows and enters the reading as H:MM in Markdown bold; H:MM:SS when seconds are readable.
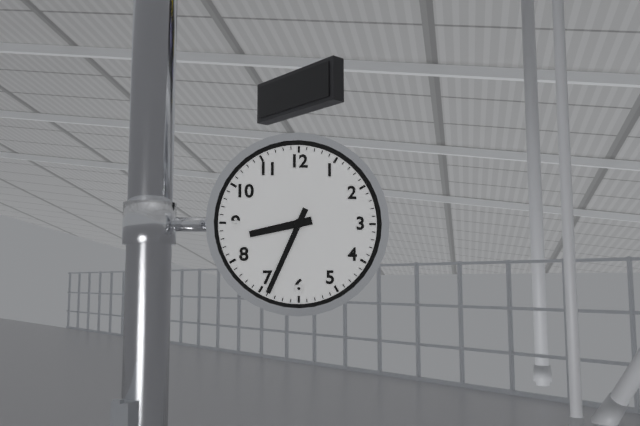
**8:34**
